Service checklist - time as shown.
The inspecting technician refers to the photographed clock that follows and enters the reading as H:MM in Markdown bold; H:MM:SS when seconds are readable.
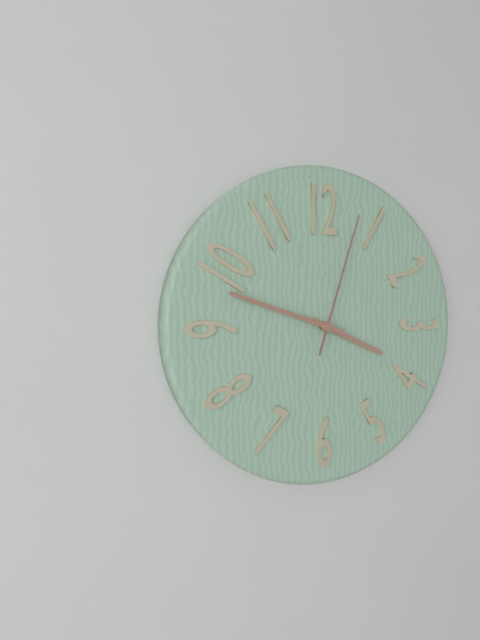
**3:48:03**
